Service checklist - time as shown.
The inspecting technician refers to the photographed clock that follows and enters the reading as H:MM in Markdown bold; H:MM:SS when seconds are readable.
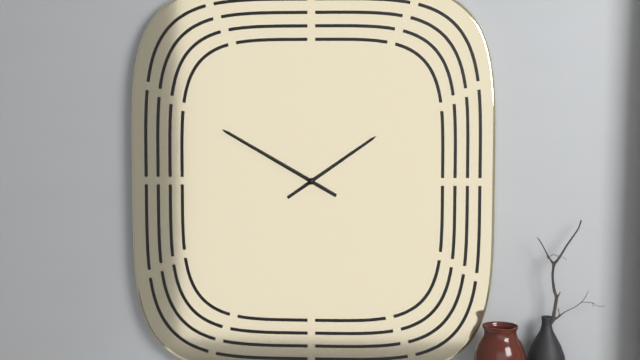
**1:50**
